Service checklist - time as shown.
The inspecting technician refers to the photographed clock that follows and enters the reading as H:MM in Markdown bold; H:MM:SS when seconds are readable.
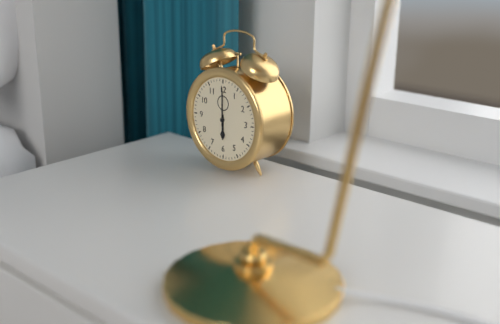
**6:00**
